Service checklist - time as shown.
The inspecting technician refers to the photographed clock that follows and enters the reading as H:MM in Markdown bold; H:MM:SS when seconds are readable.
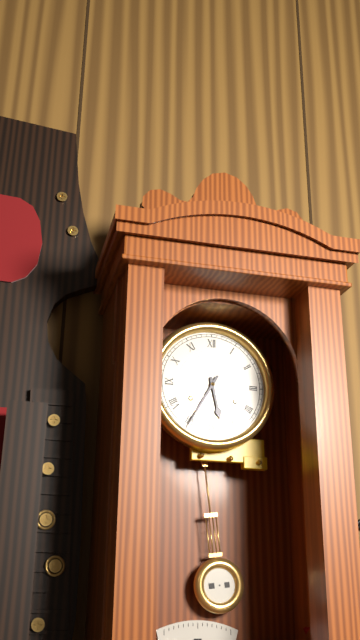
**5:35**
